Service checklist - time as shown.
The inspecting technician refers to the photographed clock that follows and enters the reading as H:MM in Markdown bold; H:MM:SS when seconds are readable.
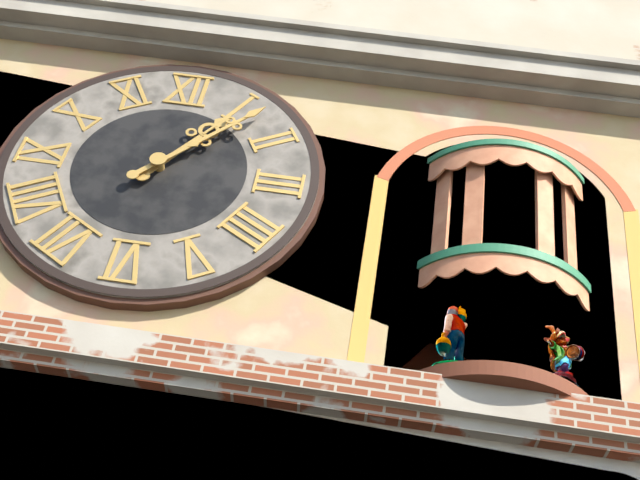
**1:07**
